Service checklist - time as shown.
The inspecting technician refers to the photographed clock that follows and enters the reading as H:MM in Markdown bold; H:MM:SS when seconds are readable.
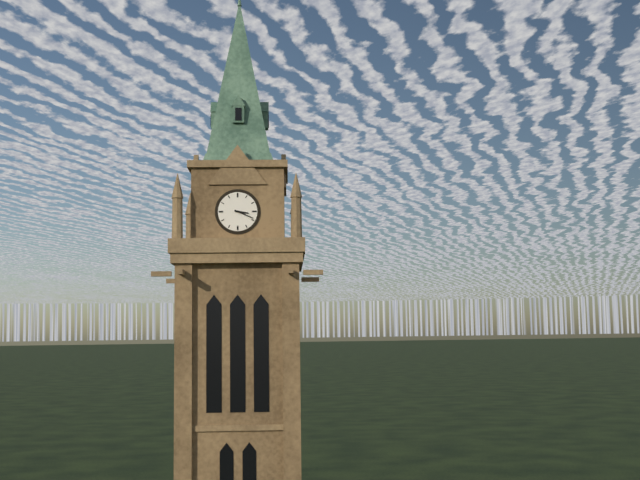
**3:19**
